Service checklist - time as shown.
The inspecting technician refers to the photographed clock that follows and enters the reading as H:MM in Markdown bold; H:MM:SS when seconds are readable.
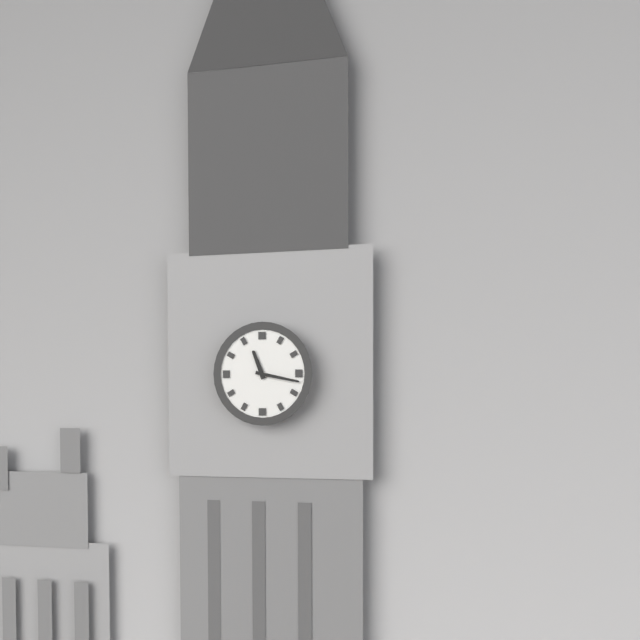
**11:17**
